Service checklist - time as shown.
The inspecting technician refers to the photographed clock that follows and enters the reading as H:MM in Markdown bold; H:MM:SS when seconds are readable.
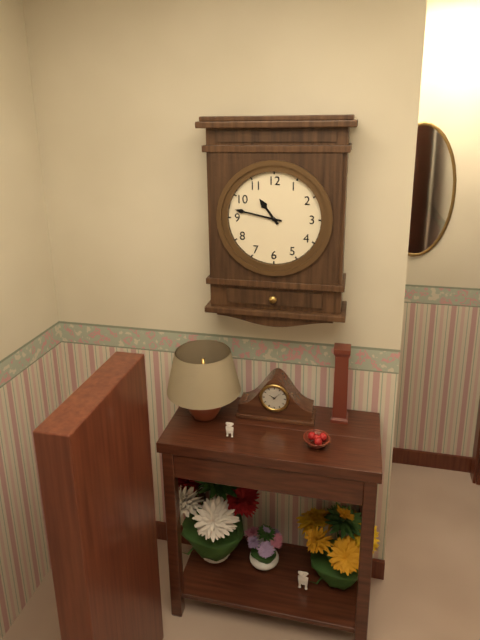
**10:47**
